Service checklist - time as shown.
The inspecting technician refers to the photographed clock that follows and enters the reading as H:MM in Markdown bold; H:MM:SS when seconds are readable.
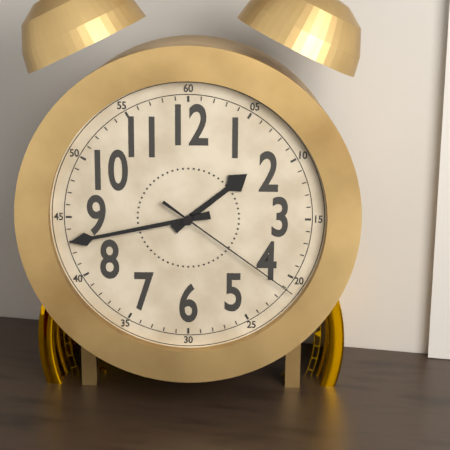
**1:43:21**
